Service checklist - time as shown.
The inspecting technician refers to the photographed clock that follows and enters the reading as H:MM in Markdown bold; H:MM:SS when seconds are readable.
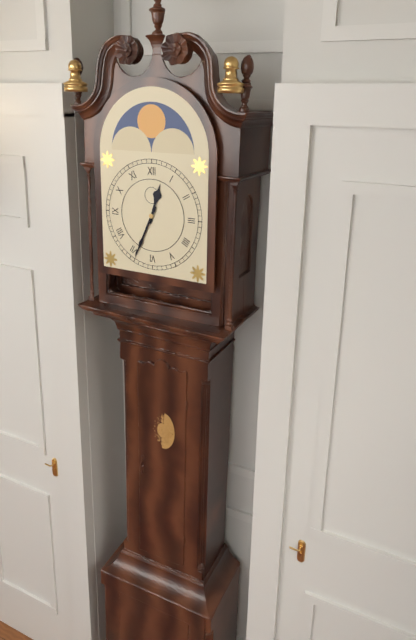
**12:34**
